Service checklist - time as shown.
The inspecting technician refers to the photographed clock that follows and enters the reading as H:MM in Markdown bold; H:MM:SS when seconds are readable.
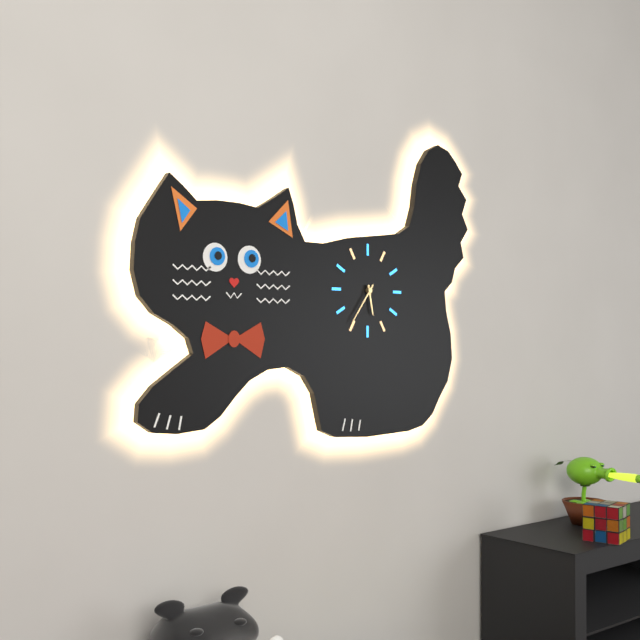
**5:36**
